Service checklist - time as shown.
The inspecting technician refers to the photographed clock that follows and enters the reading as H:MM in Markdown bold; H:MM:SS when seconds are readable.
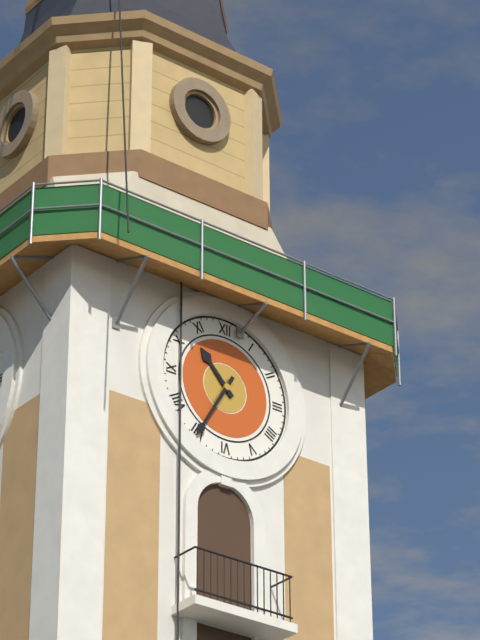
**10:35**
